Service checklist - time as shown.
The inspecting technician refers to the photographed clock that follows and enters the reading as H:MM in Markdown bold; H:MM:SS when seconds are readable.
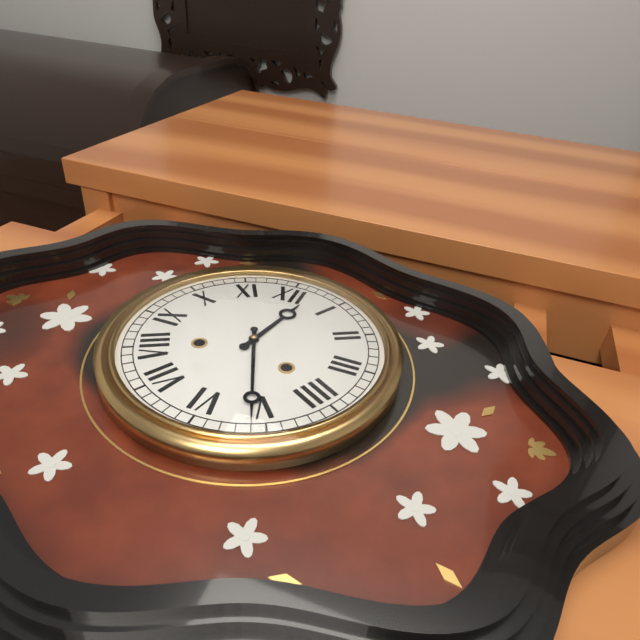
**12:26**
